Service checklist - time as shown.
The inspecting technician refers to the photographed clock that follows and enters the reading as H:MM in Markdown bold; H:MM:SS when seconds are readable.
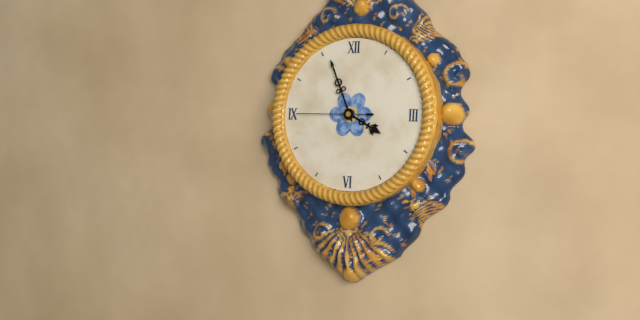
**3:56:45**
